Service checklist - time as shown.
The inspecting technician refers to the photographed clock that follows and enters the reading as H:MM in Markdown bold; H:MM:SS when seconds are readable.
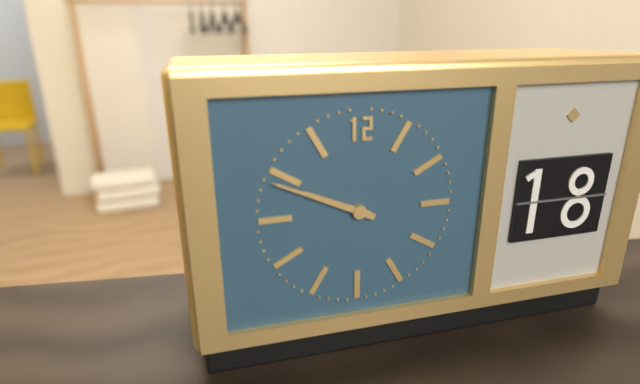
**9:49**
